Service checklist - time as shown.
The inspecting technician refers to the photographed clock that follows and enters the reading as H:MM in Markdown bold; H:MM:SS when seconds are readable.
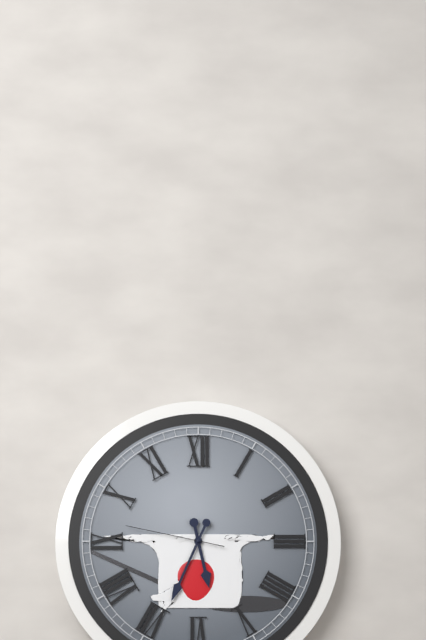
**5:34:47**
